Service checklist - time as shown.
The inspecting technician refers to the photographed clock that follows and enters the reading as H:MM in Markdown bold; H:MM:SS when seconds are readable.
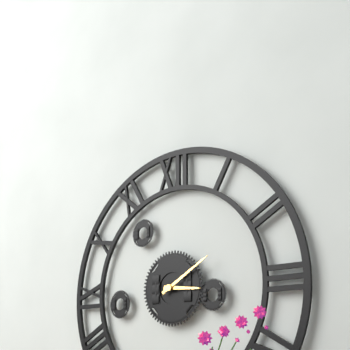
**3:10**
